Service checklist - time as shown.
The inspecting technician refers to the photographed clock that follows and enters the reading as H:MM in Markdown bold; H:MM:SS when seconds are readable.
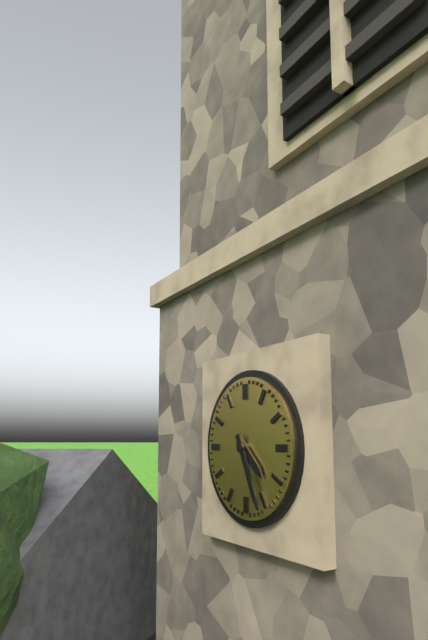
**4:26**
